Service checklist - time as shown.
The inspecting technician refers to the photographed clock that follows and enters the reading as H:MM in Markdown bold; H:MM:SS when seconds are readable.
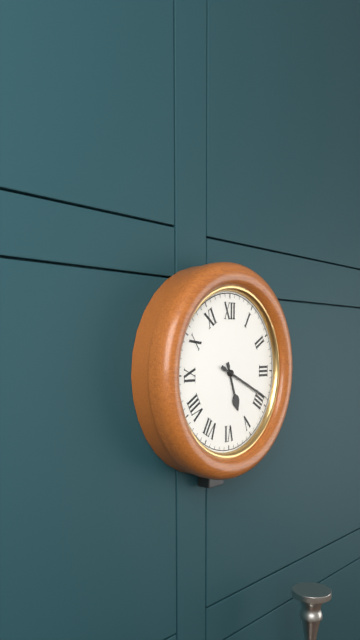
**5:19**
